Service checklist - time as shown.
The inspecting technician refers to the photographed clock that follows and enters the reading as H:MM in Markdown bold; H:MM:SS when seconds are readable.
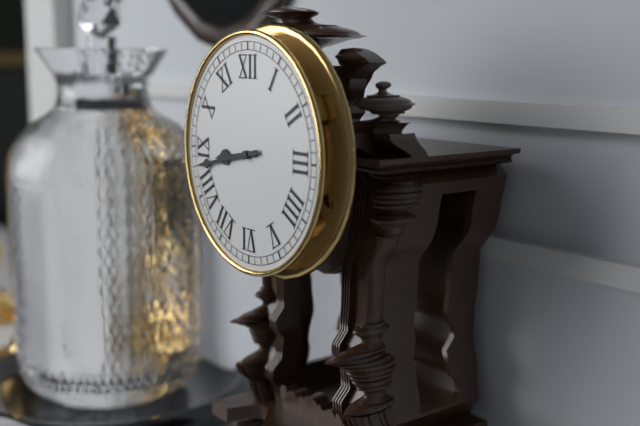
**8:43**
